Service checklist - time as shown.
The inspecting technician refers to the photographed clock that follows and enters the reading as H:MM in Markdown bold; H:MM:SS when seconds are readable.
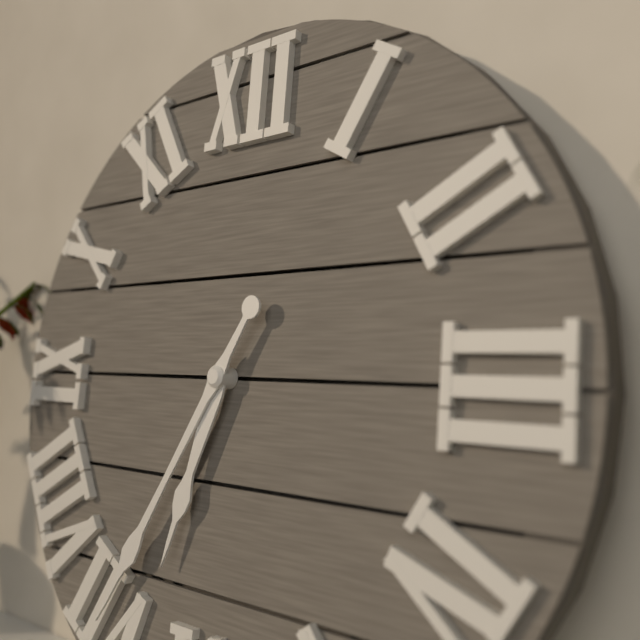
**6:35**
